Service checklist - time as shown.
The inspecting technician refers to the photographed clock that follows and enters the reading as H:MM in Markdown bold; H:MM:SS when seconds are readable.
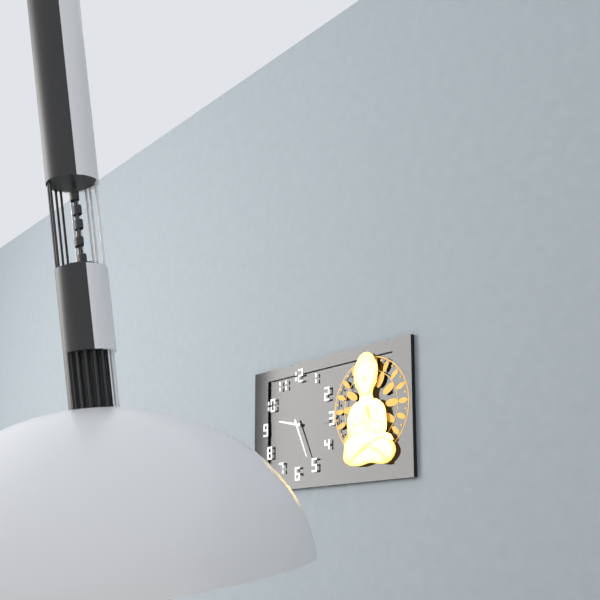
**9:26**
